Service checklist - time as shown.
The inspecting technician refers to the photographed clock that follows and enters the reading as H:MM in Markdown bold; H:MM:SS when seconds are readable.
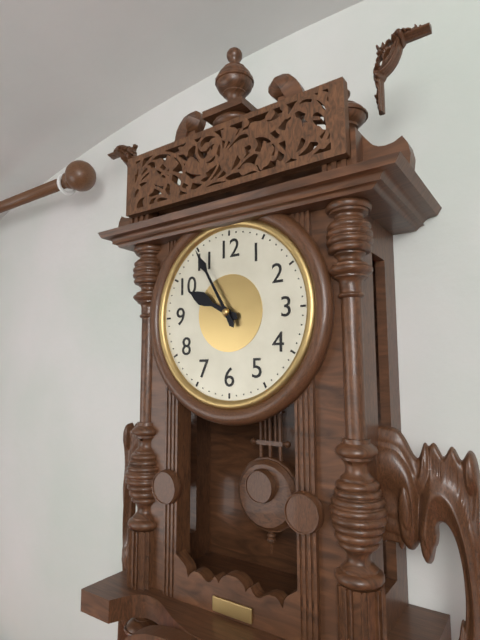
**9:55**
